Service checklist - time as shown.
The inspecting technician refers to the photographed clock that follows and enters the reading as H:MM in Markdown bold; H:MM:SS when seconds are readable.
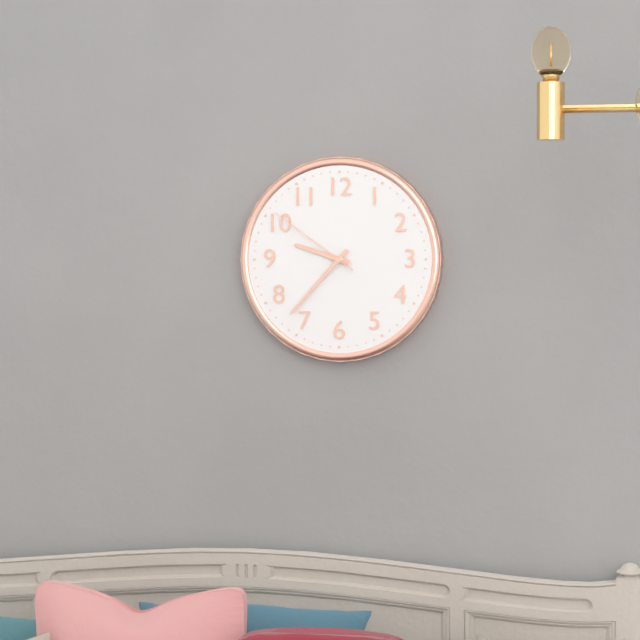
**9:37:51**
